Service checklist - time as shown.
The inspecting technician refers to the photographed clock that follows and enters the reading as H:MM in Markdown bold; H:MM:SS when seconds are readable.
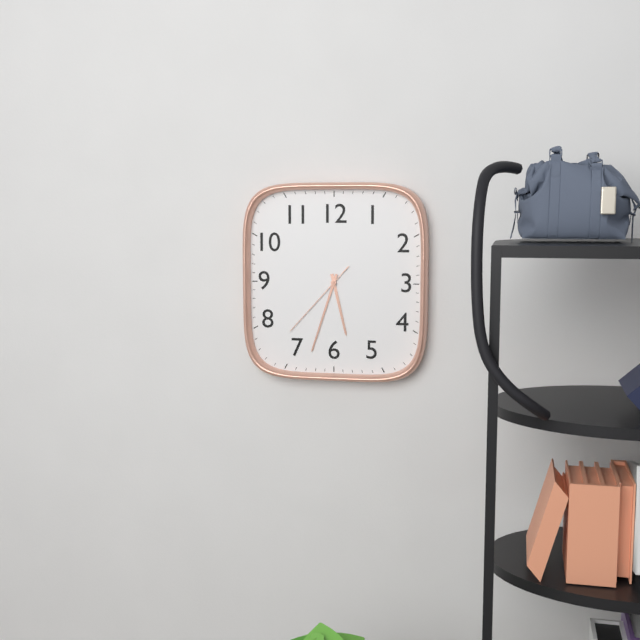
**5:33:37**
